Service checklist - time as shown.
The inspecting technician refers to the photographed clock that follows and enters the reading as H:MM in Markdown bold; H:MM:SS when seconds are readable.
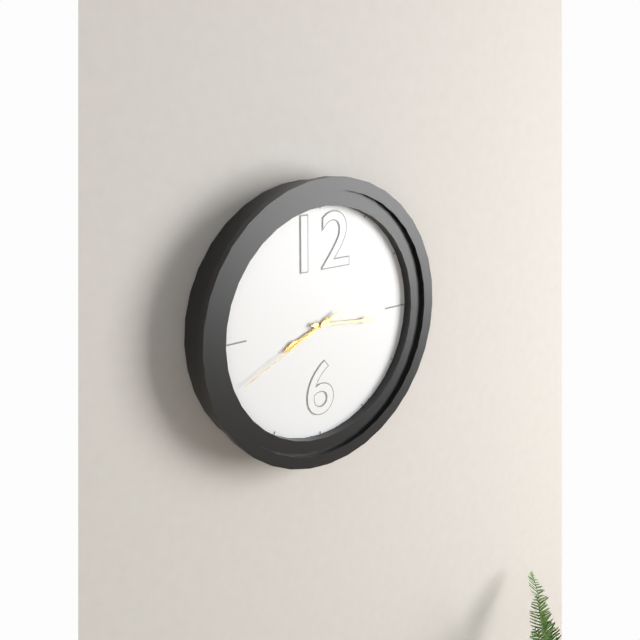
**8:16:41**
